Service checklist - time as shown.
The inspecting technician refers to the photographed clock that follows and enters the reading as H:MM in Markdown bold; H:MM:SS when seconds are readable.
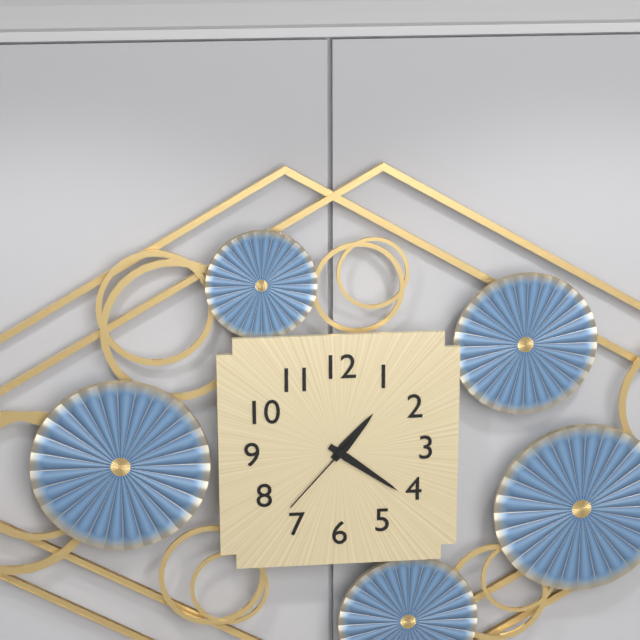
**1:21:37**
